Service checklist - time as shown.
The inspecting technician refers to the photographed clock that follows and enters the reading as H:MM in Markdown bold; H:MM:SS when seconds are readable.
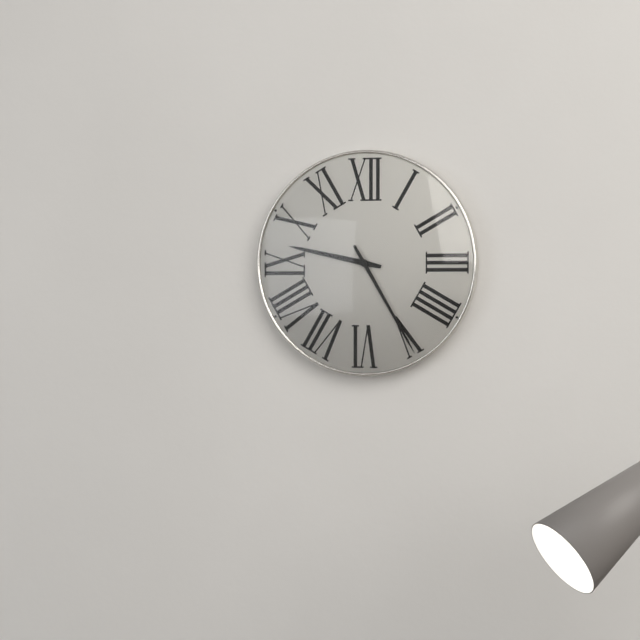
**9:25**
